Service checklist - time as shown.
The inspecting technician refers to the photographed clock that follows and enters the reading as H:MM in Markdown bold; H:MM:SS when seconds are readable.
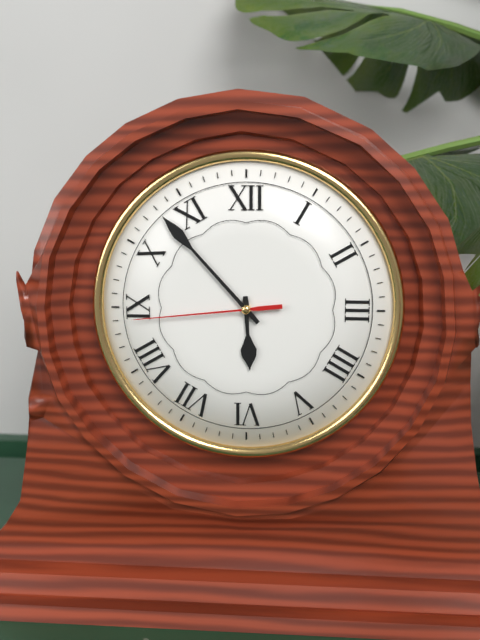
**5:53:44**
